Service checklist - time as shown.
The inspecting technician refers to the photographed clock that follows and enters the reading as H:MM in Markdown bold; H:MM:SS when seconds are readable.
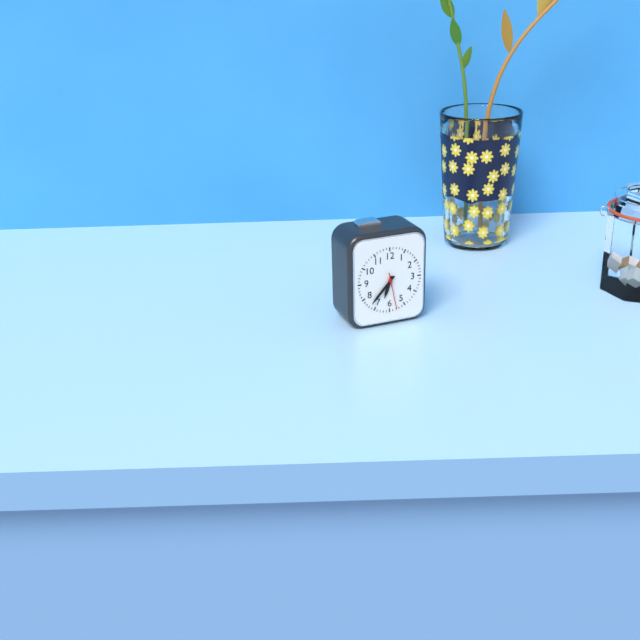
**6:37**
